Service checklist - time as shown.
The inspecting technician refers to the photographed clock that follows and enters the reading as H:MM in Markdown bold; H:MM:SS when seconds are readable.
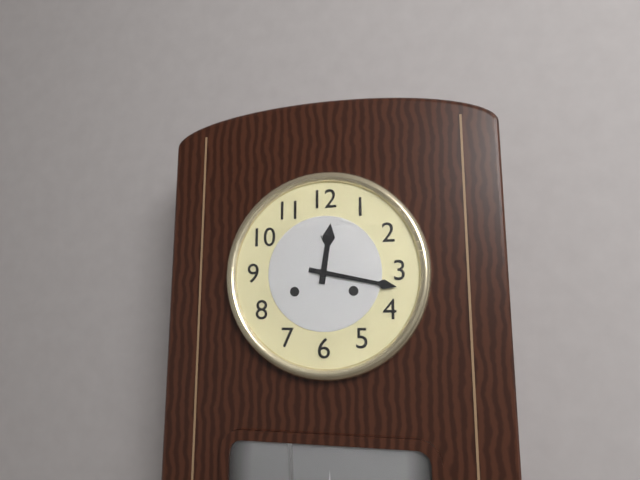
**12:17**
